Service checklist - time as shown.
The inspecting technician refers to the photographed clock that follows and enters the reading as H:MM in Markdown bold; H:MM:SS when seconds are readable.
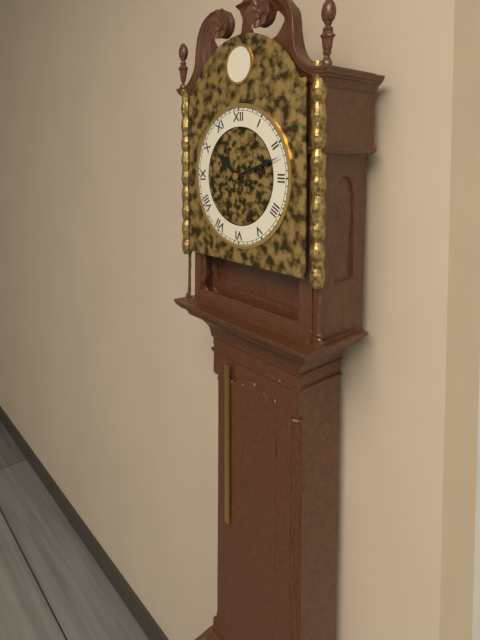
**10:12**
